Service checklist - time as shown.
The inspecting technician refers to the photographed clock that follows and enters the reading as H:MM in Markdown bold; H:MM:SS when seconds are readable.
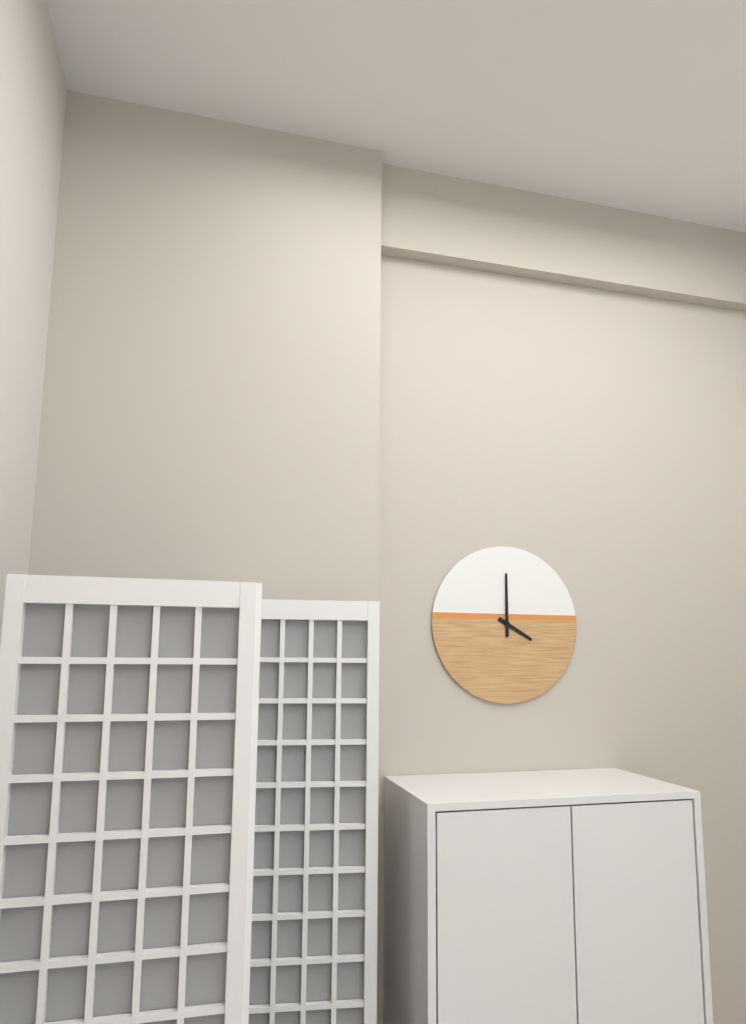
**4:00**
